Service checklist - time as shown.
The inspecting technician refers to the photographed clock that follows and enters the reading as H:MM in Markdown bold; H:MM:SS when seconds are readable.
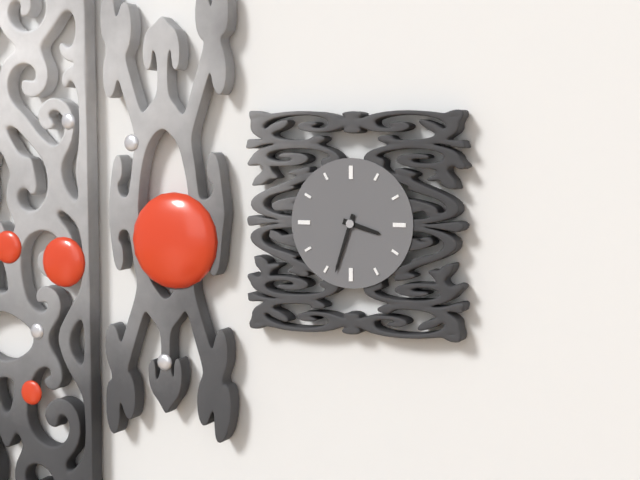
**3:33**
